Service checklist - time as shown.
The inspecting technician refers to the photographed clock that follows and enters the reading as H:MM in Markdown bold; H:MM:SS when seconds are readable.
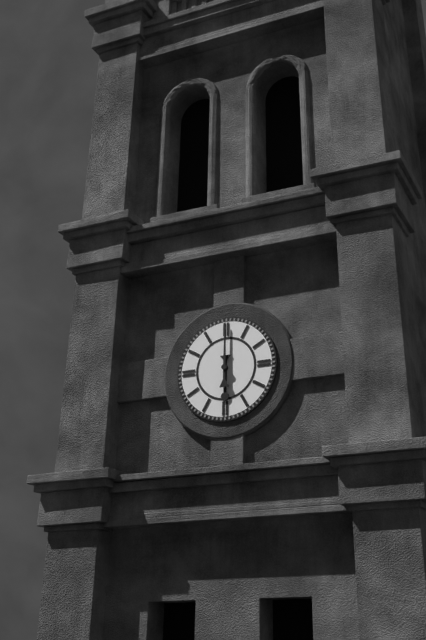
**6:00**
